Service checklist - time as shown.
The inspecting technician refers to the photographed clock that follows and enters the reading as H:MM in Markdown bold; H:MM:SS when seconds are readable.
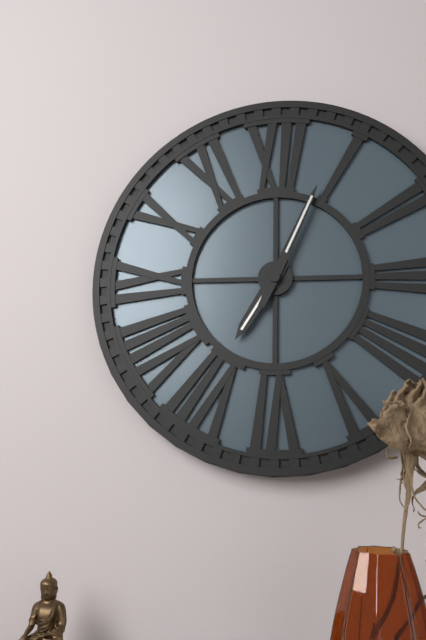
**7:04**
